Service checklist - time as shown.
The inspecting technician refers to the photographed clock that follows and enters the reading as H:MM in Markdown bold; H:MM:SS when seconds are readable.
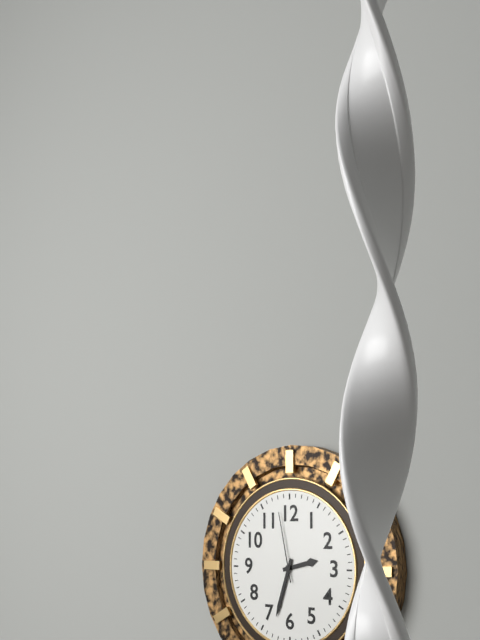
**2:33:58**
